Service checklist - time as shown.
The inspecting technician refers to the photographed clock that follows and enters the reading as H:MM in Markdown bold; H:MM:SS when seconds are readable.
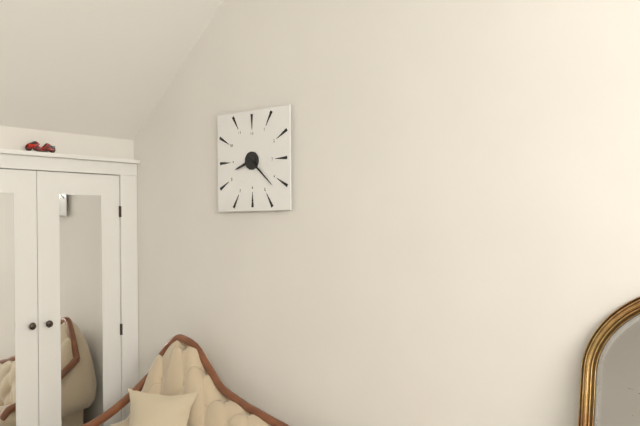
**8:22**
